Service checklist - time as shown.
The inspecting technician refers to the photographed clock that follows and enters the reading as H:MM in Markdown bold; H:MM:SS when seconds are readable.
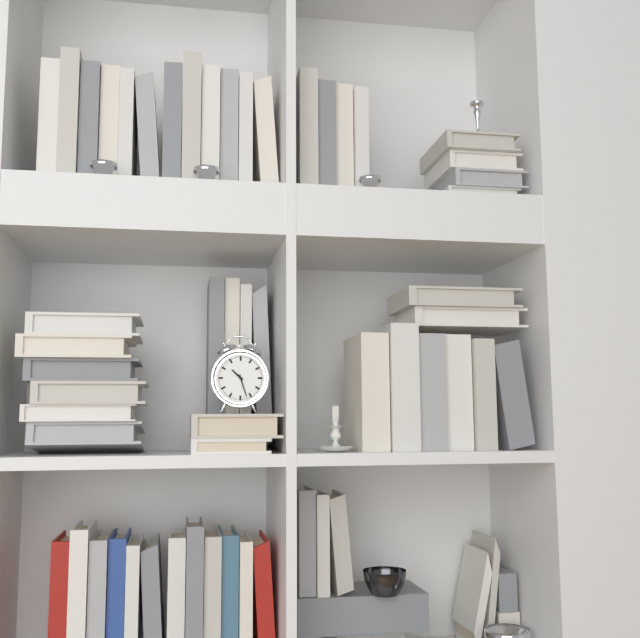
**10:27**
